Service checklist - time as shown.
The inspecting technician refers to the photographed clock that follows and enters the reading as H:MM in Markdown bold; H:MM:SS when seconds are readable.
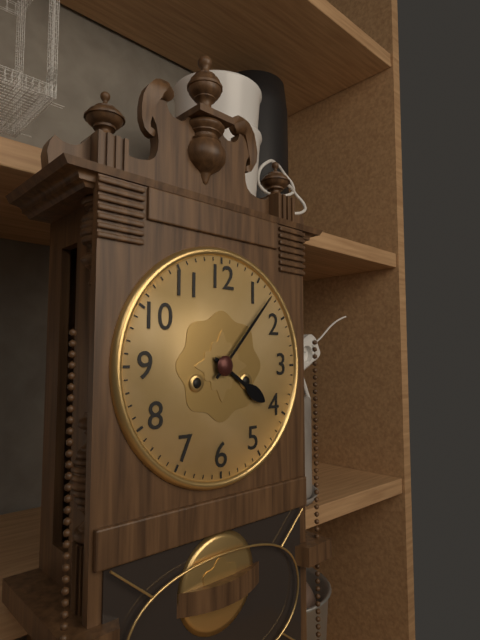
**4:07**
